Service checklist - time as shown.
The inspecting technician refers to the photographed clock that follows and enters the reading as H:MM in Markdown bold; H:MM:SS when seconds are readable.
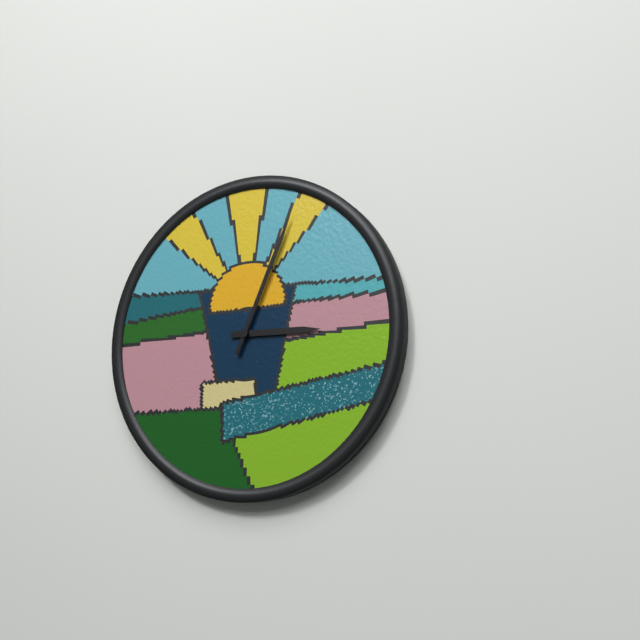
**3:04**
